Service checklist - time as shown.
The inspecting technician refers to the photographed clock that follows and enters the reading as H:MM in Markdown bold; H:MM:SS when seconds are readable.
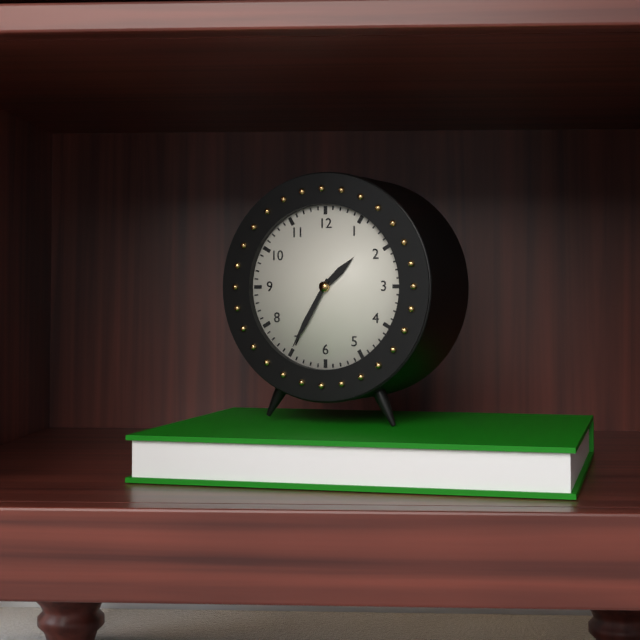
**1:35**
